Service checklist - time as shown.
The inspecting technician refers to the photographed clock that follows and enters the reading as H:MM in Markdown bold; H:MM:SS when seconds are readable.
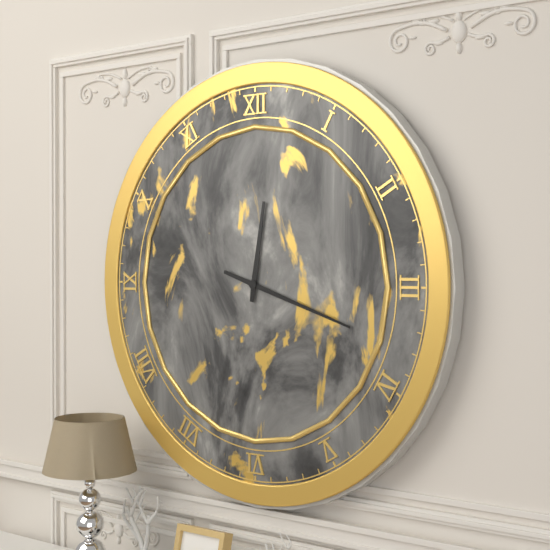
**12:18**
